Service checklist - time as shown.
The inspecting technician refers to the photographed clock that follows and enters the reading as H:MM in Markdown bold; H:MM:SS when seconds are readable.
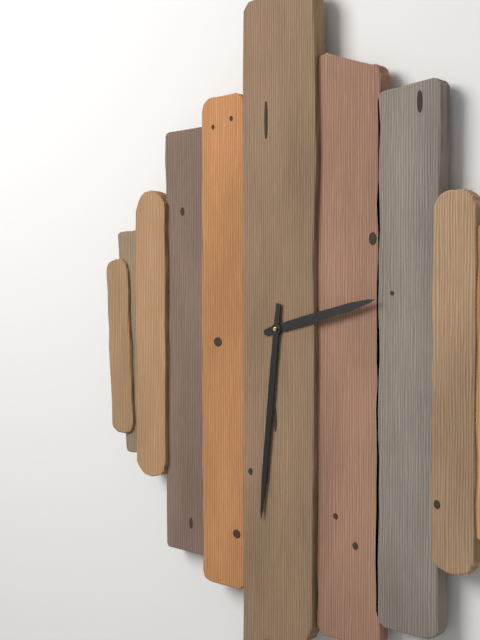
**2:31**
